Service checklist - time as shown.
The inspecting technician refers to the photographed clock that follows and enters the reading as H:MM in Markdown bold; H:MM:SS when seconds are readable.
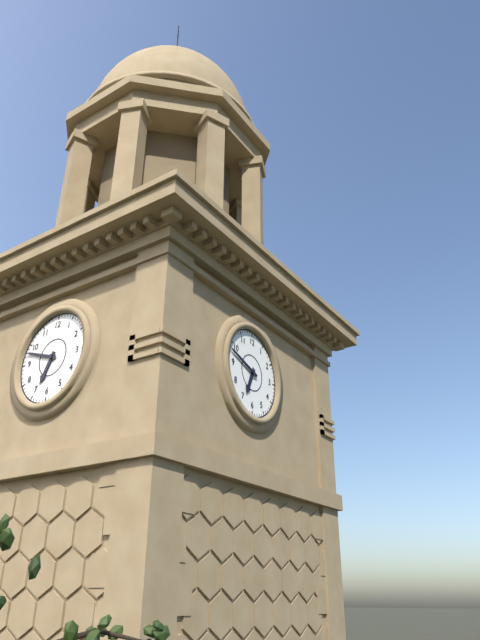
**6:48**
